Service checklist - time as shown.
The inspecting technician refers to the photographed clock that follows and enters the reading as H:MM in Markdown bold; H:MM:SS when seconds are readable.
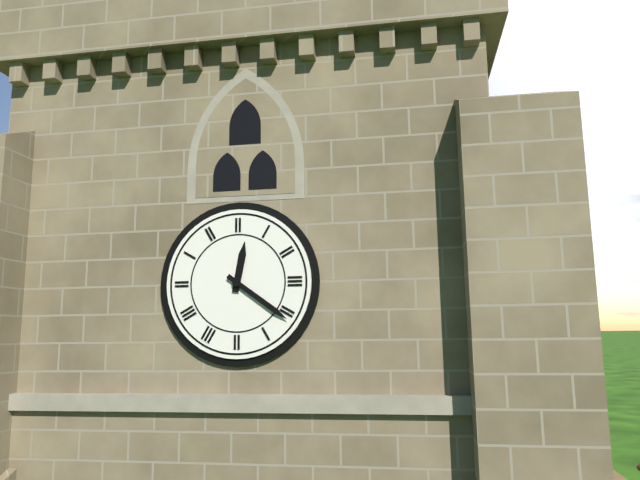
**12:21**
